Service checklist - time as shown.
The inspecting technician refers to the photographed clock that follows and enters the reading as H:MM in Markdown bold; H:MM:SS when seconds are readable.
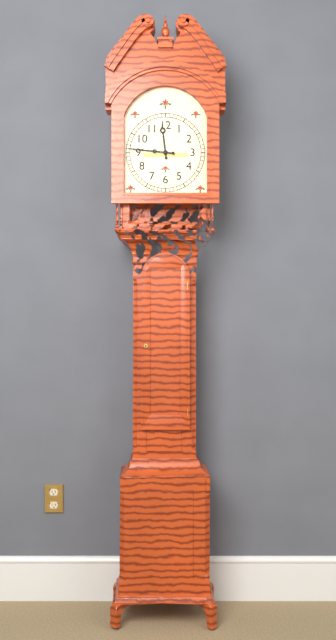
**11:46**
